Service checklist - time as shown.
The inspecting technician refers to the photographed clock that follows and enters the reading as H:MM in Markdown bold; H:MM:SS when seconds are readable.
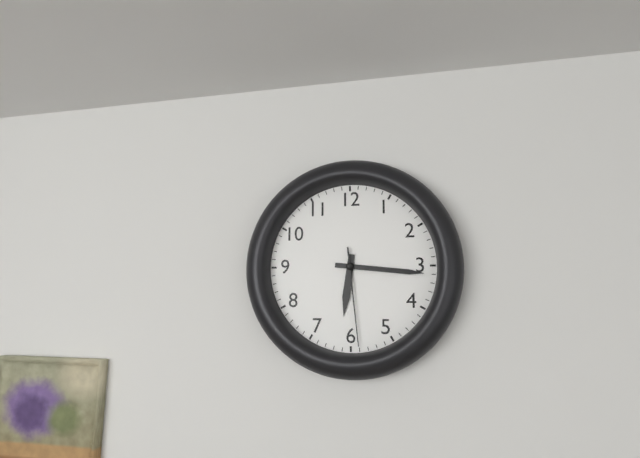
**6:16:29**
